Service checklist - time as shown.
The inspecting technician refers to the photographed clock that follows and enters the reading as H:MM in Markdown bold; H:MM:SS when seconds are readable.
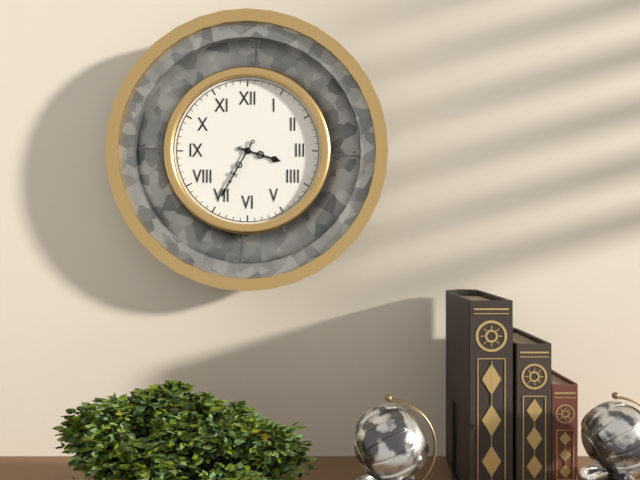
**3:35**
